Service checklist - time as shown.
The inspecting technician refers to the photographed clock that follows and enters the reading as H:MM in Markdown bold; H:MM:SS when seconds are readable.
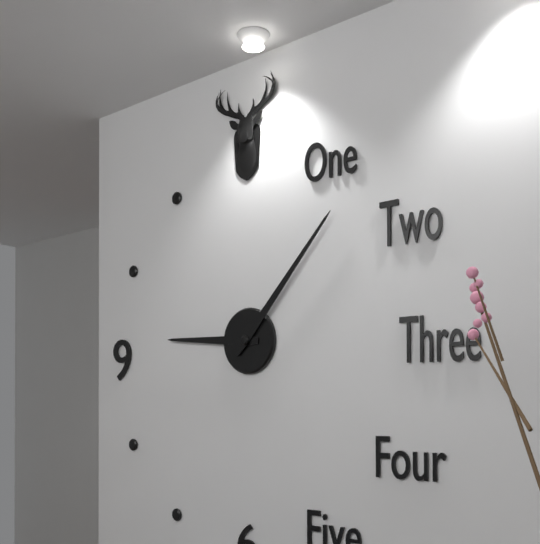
**9:07**
